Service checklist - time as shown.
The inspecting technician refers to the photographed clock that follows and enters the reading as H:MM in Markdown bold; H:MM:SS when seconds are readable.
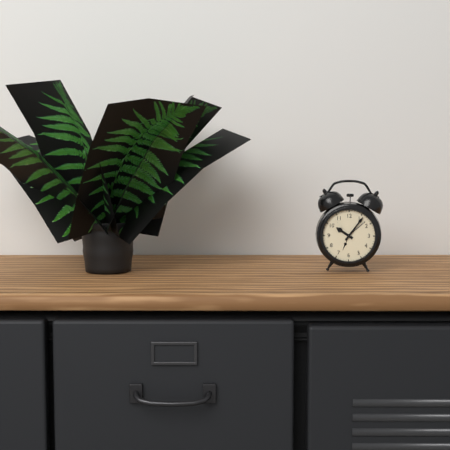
**10:06**
